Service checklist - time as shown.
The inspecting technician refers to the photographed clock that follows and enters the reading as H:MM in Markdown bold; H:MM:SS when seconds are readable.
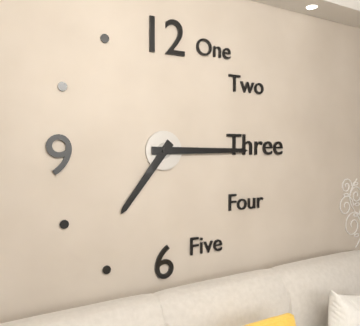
**7:15**
